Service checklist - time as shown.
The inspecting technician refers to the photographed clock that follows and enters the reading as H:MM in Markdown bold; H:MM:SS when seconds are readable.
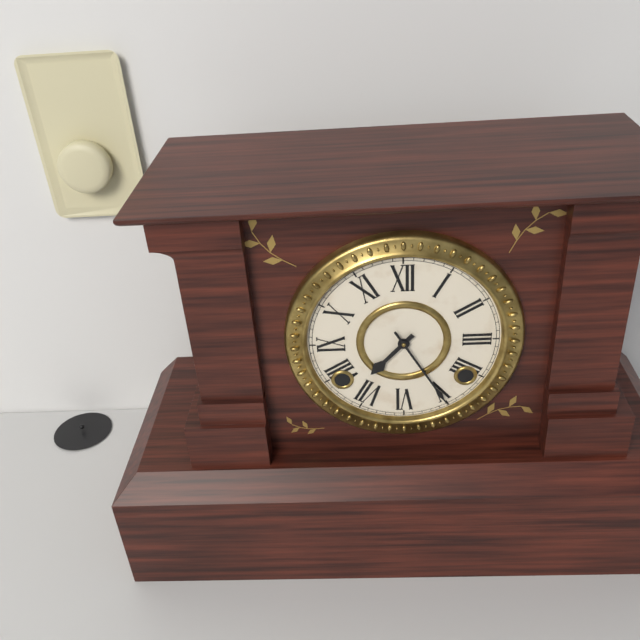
**7:25**
